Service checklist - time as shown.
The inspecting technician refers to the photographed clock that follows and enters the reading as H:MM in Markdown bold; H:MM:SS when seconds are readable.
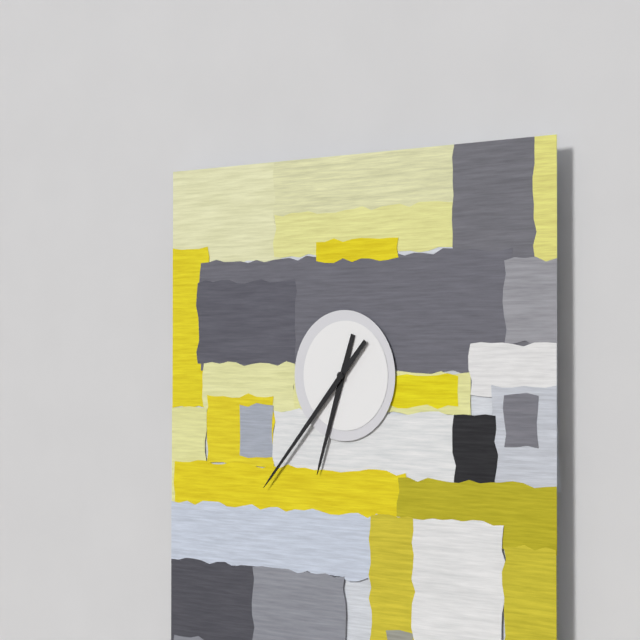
**6:37**
